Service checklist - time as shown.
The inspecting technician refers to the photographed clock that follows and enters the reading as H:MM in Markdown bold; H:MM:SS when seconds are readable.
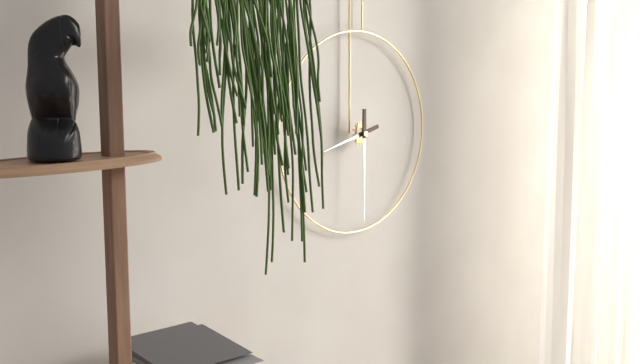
**8:30**
